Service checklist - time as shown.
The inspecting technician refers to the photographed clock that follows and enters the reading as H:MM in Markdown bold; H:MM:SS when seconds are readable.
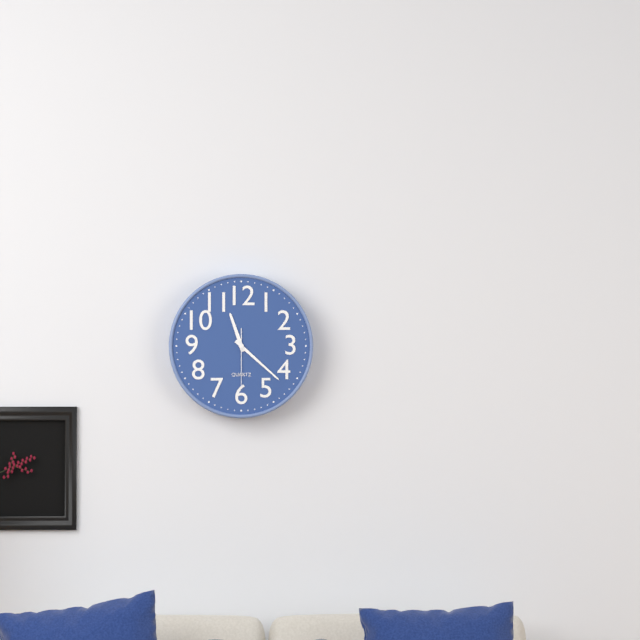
**11:22:30**
